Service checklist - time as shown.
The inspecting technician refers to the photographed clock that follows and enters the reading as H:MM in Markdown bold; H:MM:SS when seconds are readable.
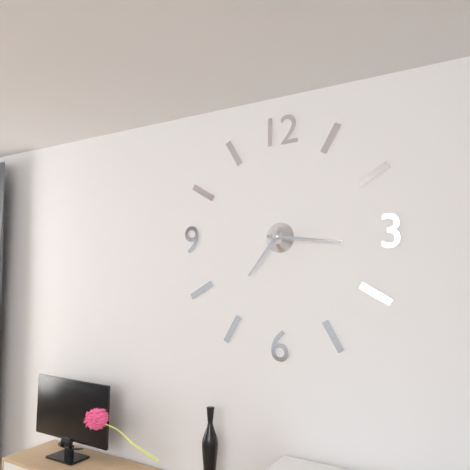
**7:16**
